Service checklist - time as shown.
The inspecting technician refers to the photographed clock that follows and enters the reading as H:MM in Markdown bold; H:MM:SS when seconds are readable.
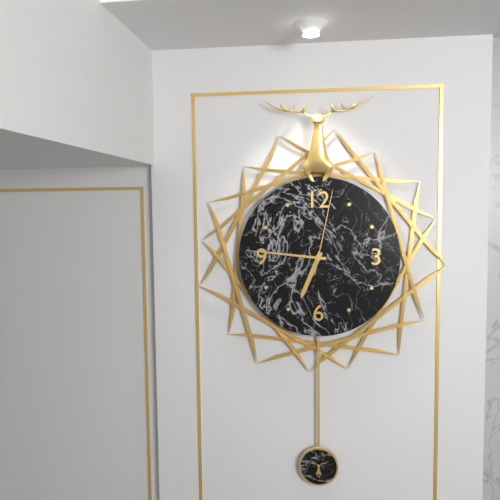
**6:46:02**
